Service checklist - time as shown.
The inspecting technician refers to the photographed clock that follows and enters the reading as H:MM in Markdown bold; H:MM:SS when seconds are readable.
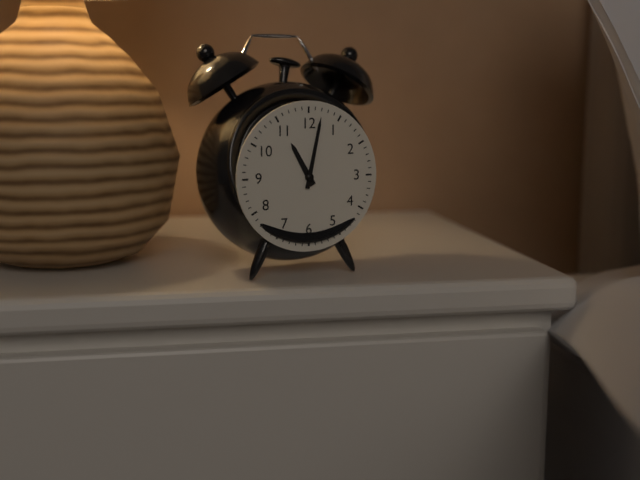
**11:02**
